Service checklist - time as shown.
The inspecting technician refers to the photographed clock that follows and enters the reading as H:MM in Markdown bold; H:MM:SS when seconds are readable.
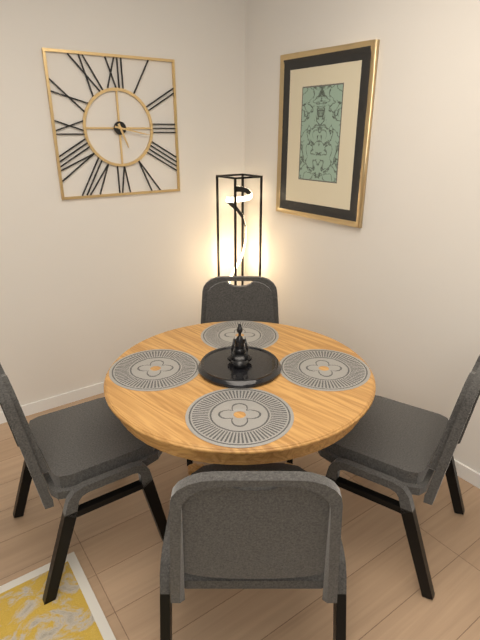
**5:17**
